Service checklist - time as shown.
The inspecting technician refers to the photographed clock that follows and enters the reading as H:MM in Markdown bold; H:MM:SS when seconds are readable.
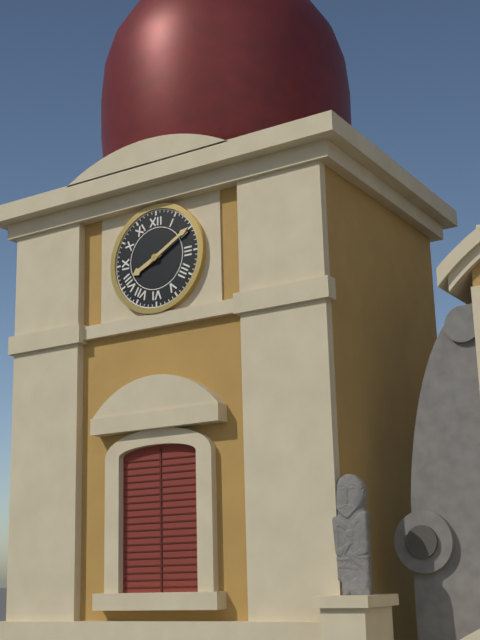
**8:10**
